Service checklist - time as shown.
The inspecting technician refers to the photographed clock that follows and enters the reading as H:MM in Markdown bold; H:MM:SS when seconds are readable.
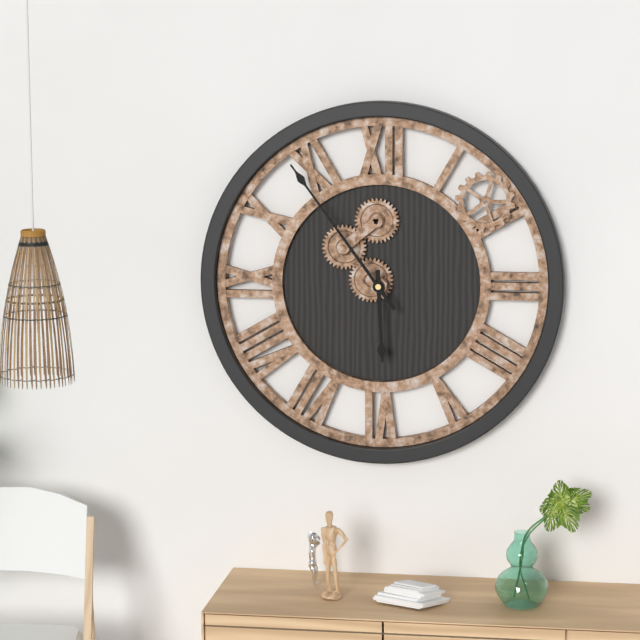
**5:54**
